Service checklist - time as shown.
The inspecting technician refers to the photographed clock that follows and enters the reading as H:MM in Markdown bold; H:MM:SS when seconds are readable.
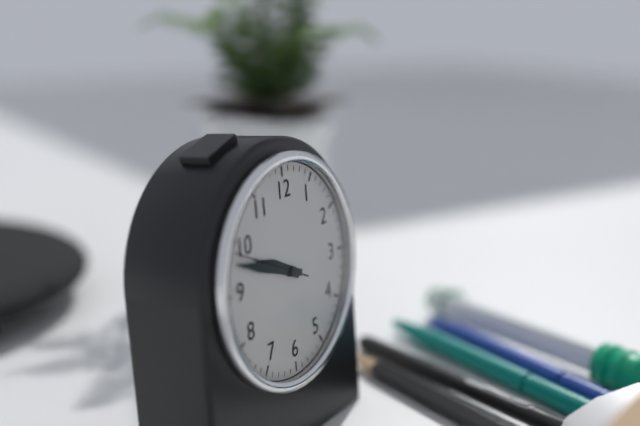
**9:48:49**
